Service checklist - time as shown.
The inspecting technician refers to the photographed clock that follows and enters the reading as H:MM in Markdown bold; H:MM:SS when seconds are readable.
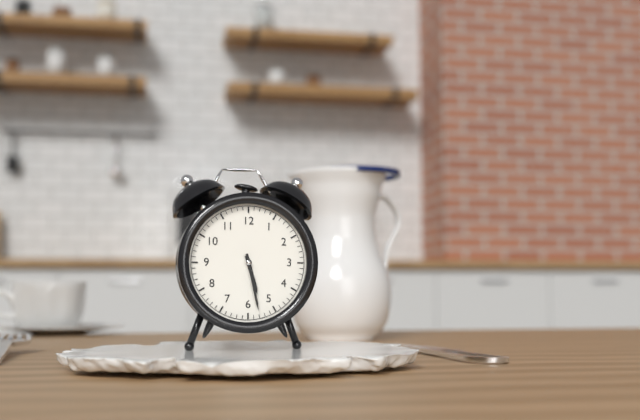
**5:28**
